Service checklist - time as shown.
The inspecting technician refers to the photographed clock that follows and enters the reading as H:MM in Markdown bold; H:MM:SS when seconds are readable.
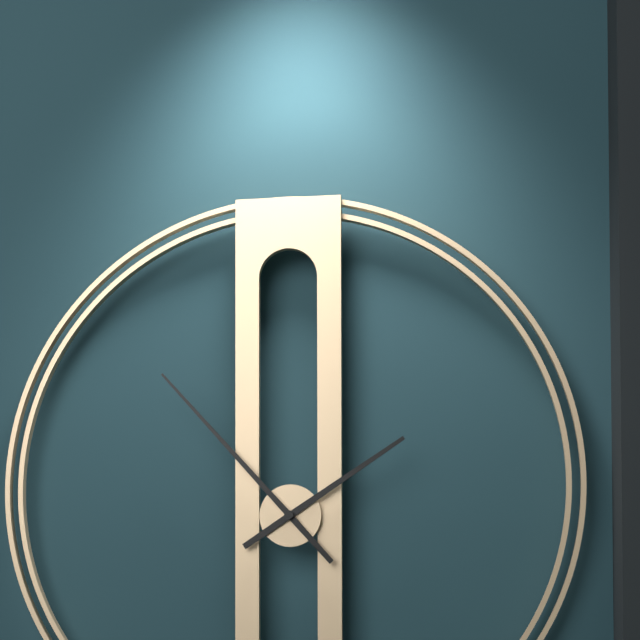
**1:53**
